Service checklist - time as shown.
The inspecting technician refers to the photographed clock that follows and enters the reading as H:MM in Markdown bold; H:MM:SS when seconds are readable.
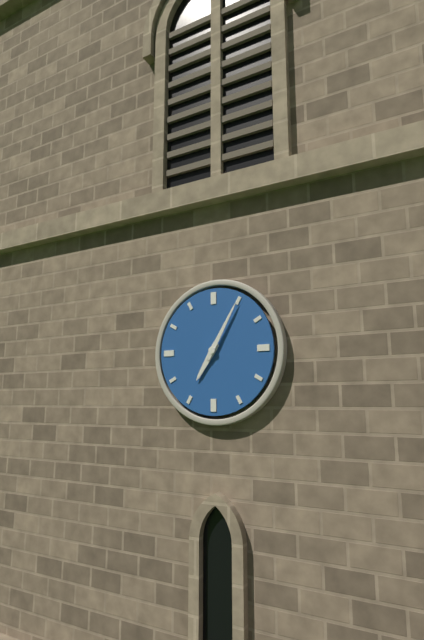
**7:05**
